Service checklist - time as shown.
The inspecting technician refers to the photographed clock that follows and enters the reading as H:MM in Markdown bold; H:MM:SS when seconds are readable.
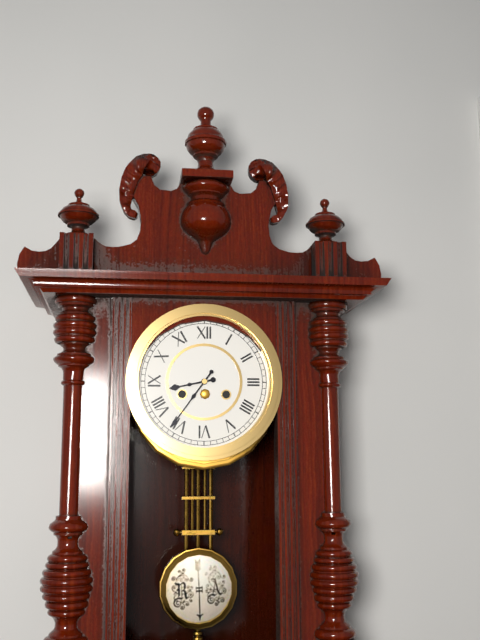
**8:36**
